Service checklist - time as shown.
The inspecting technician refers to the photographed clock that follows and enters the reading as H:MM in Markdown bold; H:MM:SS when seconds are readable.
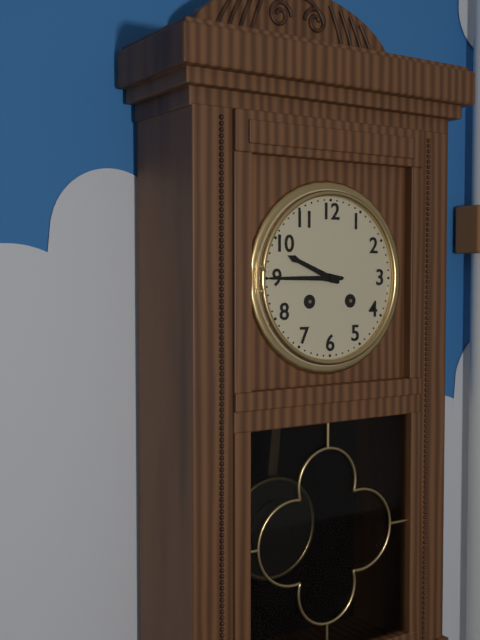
**9:45**
